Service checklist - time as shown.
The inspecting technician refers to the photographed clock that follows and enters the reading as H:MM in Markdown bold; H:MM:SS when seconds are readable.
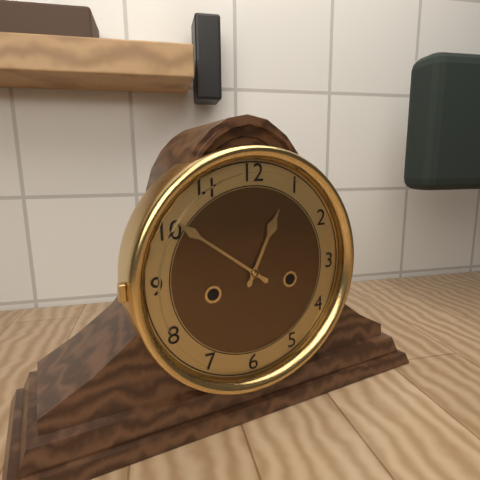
**12:51**
